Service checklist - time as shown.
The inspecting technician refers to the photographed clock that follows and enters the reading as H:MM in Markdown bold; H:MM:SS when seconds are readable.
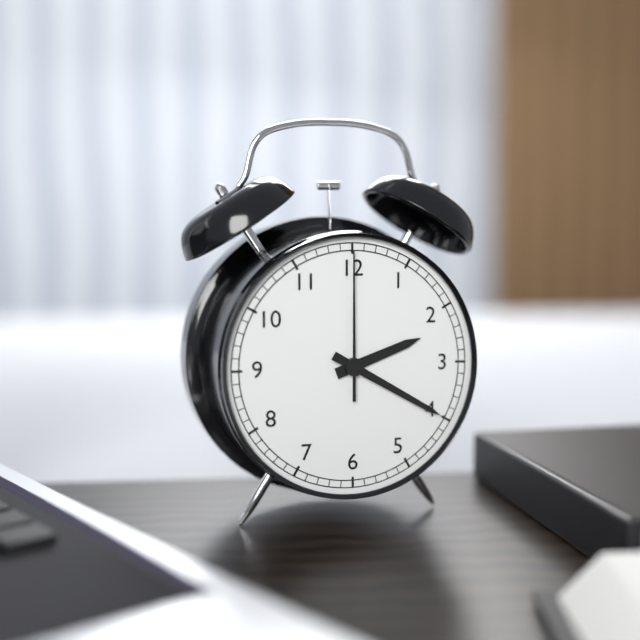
**2:20:00**
